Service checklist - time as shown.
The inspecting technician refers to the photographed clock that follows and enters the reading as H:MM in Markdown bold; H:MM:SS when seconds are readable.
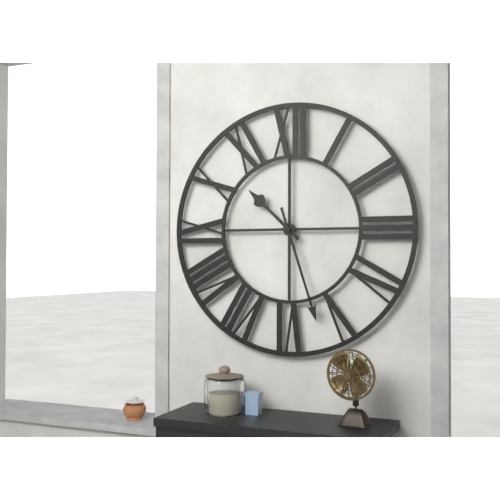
**10:27**
